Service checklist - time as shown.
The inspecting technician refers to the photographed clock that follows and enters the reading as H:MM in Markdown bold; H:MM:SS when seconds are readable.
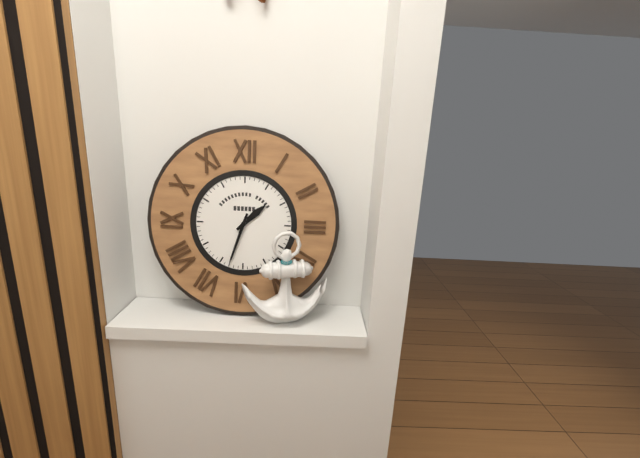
**1:33**
